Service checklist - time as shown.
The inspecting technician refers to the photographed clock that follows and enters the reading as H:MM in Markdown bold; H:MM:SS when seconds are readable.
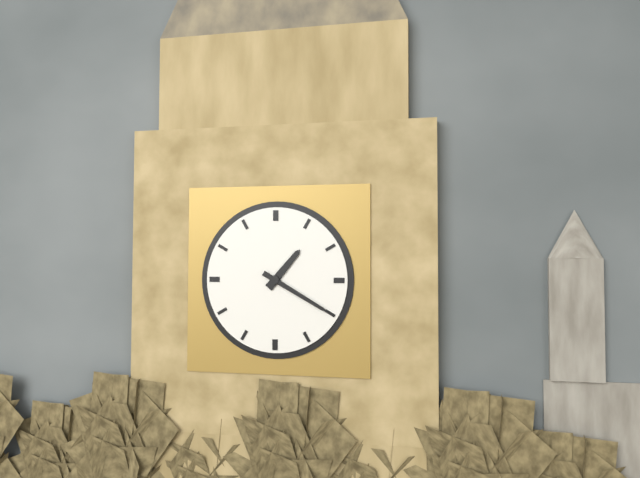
**1:20**
